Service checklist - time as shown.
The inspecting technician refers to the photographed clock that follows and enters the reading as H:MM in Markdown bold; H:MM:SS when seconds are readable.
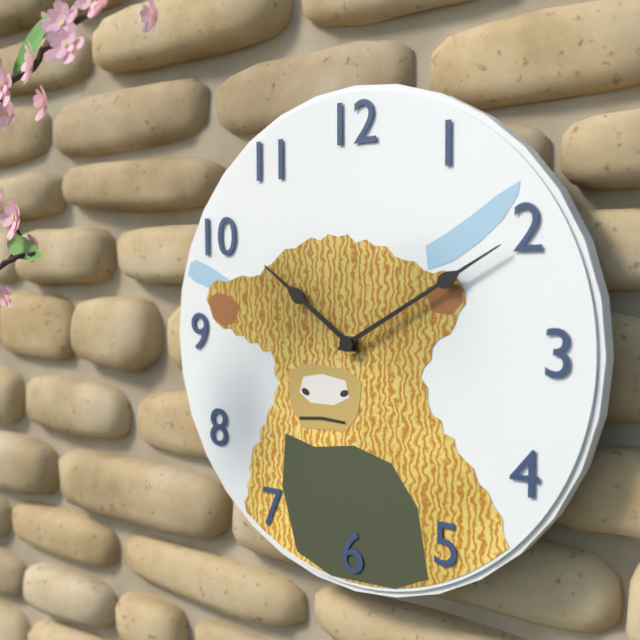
**10:10**
